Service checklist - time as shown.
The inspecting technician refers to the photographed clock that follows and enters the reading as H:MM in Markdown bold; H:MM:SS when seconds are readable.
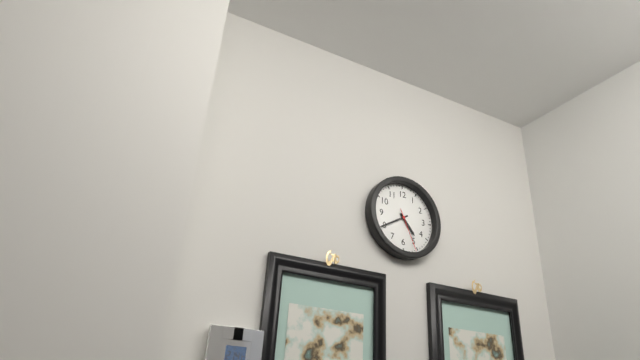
**4:40**
